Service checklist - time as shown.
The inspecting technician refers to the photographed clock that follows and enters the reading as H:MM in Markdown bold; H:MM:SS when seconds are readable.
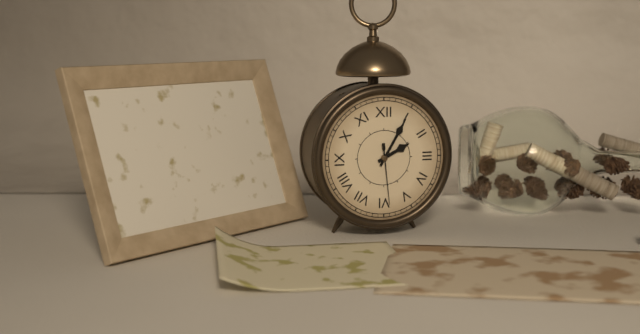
**2:05:29**
